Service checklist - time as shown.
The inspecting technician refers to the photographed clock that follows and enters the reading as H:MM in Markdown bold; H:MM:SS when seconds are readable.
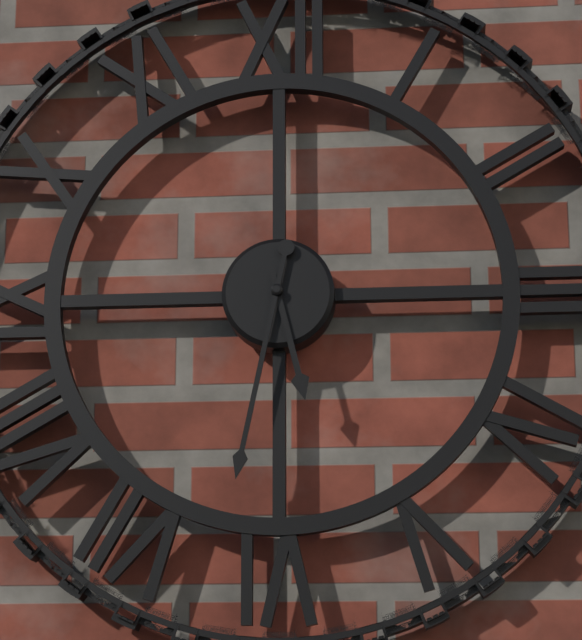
**5:32**
